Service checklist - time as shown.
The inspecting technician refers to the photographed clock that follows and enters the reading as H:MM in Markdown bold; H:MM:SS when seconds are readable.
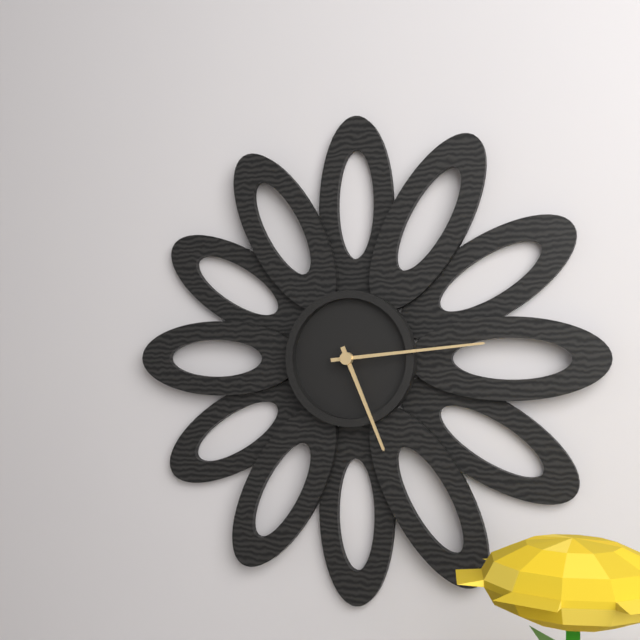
**5:14**
